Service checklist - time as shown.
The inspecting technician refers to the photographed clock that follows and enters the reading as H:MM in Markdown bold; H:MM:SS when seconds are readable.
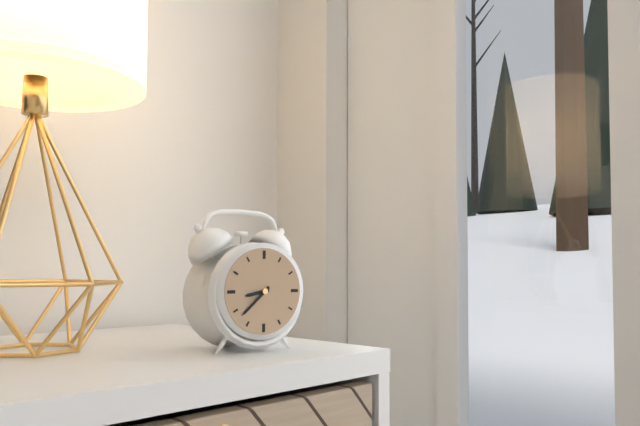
**8:38**
